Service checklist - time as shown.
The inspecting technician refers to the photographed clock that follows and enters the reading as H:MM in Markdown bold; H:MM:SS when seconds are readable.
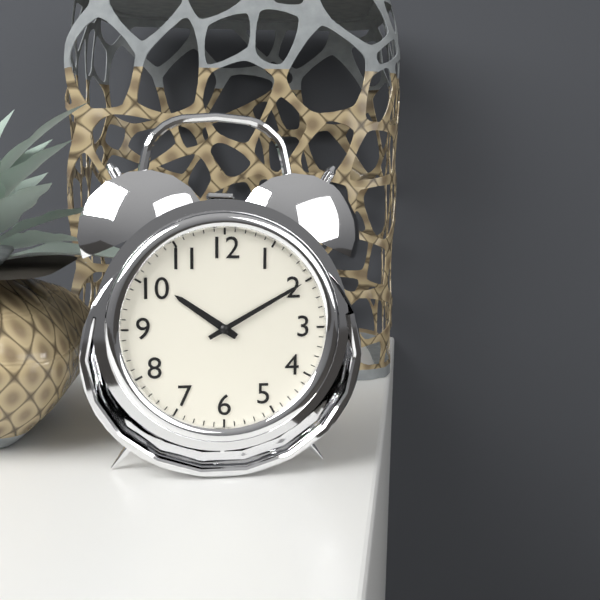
**10:10**
